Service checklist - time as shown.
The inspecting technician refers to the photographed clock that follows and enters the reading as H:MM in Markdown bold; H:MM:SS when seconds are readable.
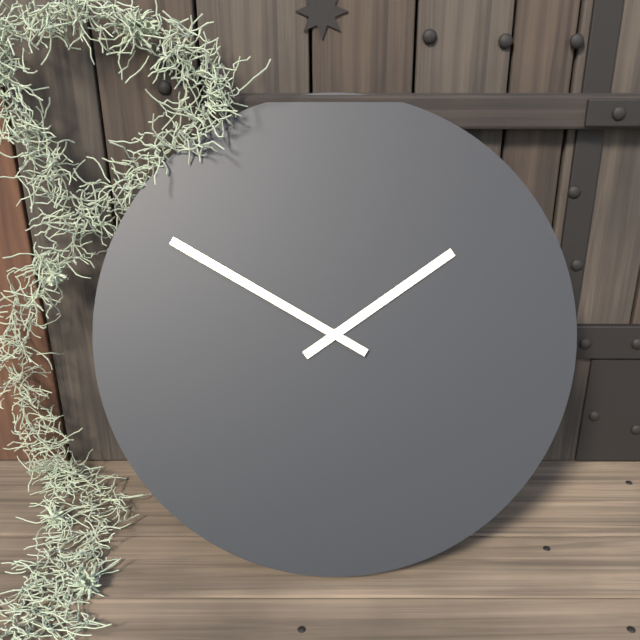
**1:50**
